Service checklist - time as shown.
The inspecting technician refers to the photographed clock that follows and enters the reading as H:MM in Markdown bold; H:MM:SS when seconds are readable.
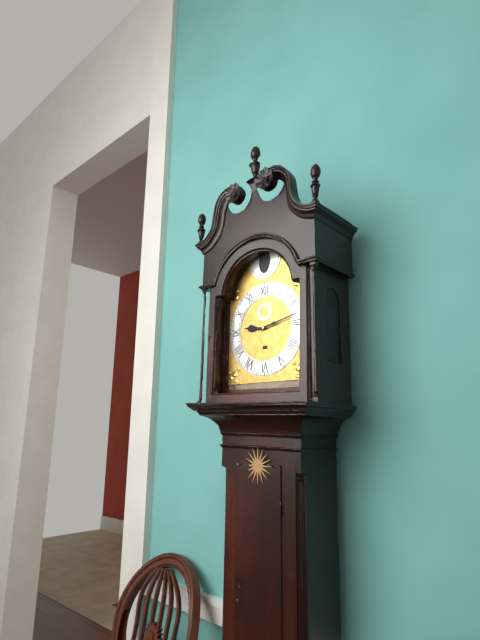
**9:13**
